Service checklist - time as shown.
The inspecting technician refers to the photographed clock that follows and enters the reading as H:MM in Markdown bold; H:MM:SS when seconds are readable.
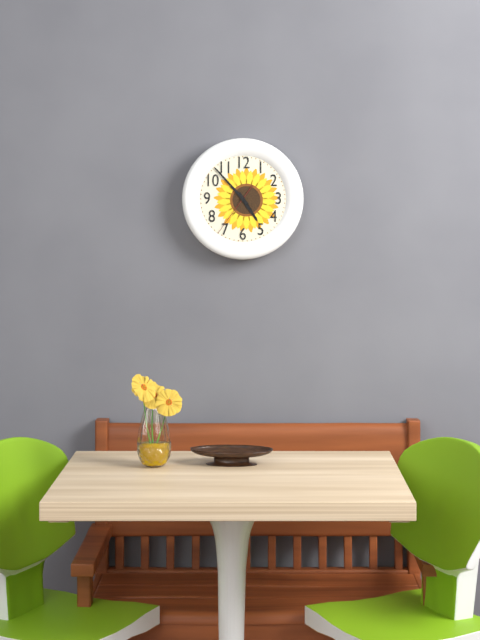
**4:53:36**
